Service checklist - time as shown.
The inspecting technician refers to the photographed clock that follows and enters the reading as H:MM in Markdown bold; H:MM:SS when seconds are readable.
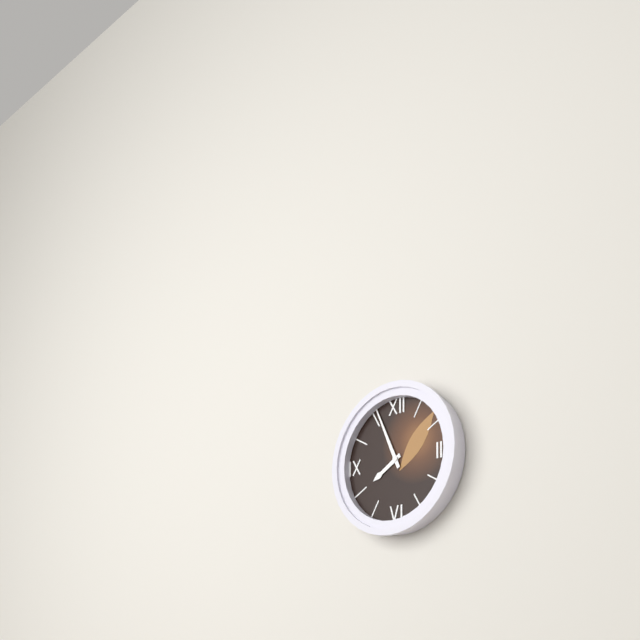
**7:56**
